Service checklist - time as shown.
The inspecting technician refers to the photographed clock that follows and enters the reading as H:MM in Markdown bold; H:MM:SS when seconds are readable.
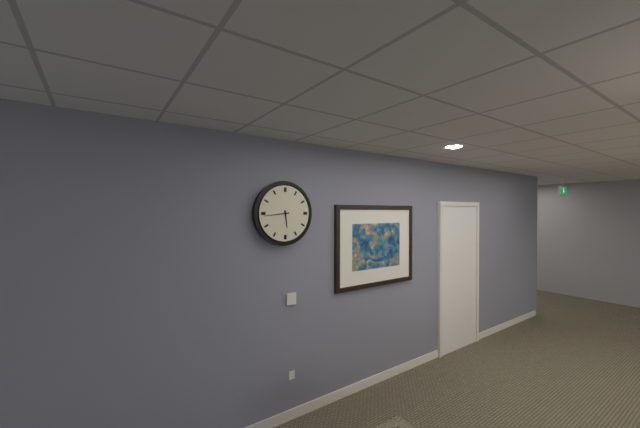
**5:44**
